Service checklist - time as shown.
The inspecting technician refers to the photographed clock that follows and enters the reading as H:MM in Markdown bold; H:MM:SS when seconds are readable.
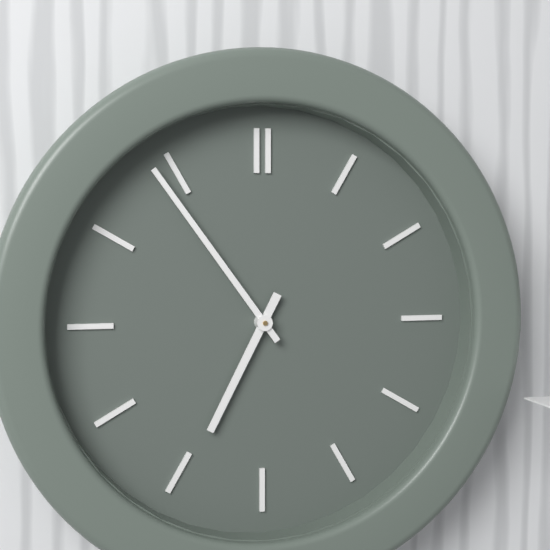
**6:54**
